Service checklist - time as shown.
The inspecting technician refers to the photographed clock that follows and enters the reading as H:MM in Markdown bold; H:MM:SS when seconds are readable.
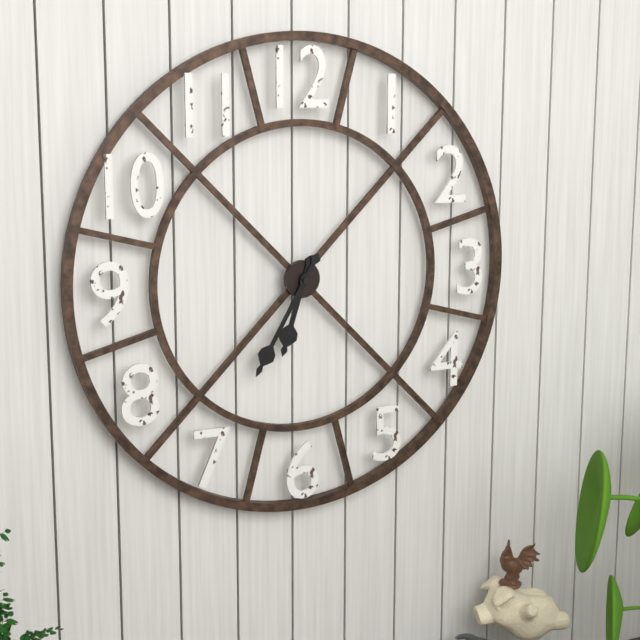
**6:35**
